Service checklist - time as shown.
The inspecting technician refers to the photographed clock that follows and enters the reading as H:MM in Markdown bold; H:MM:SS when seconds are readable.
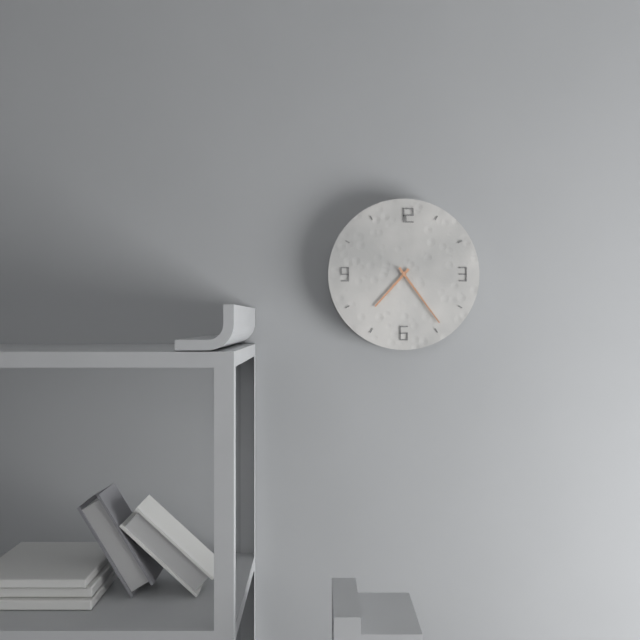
**7:24**
